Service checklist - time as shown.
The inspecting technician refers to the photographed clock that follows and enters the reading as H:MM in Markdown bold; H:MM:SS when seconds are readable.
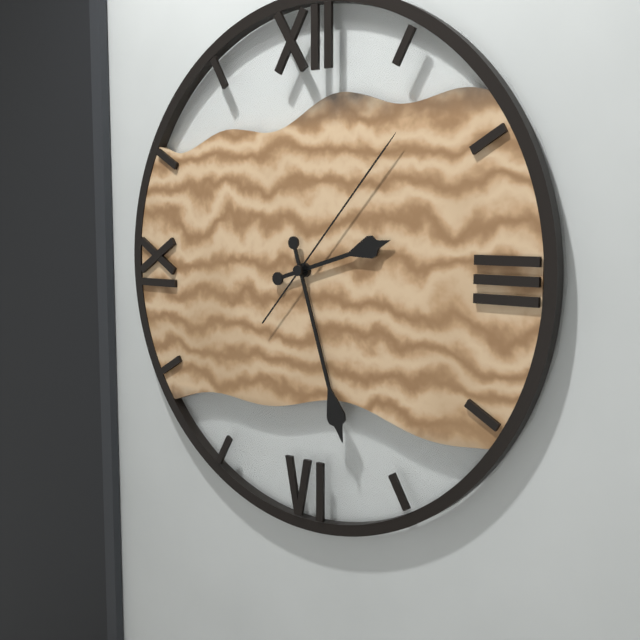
**2:27:07**
